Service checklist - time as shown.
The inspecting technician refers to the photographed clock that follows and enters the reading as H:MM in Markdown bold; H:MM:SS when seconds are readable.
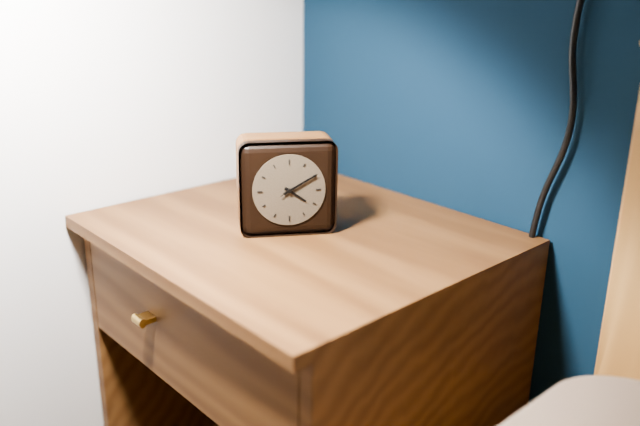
**4:10**
